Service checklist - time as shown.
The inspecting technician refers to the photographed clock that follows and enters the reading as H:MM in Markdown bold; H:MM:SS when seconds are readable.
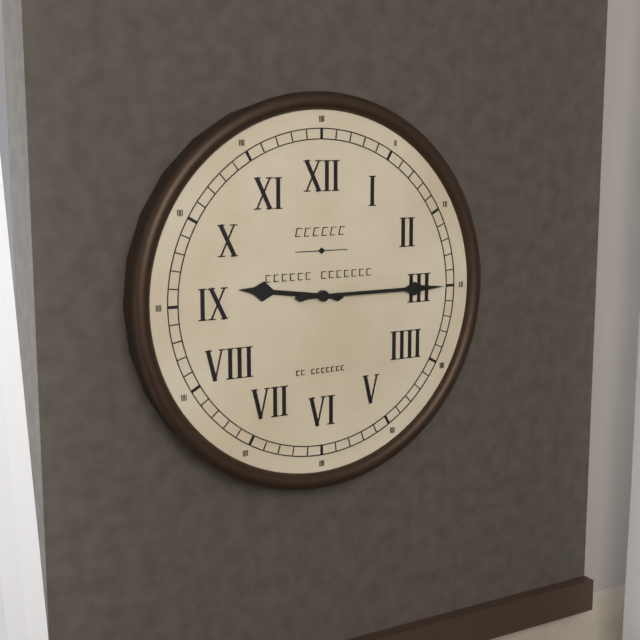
**9:15**
